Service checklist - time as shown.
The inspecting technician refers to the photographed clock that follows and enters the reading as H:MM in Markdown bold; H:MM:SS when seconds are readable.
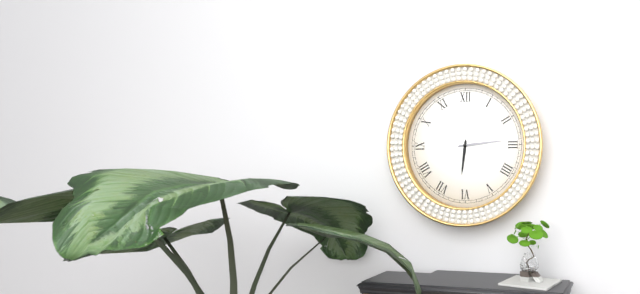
**6:14**
